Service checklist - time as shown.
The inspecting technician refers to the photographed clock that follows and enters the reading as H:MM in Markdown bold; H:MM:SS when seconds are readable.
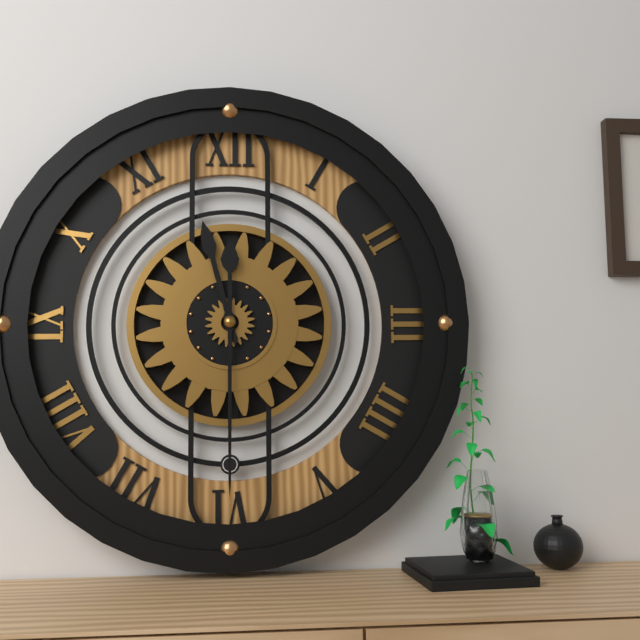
**11:30**
